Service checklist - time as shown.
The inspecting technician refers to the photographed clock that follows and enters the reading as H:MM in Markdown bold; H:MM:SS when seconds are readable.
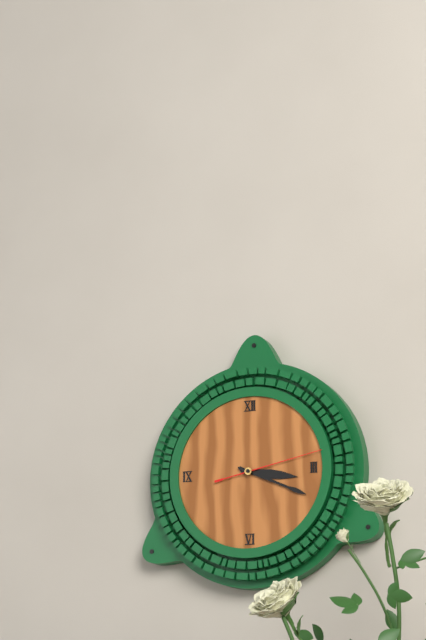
**3:19:13**
